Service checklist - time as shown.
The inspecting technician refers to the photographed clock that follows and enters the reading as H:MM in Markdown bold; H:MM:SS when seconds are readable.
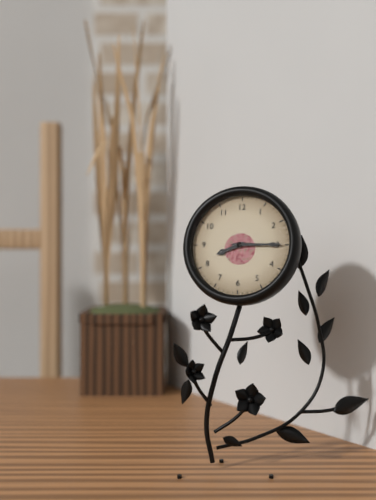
**8:15**
